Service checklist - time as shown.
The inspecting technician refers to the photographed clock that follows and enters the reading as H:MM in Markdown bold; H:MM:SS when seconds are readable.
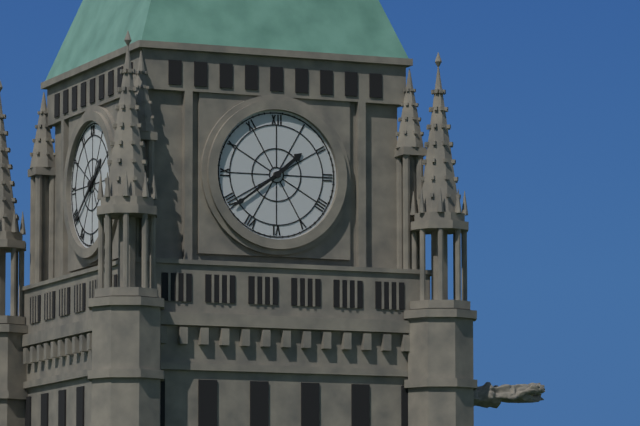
**1:39**
